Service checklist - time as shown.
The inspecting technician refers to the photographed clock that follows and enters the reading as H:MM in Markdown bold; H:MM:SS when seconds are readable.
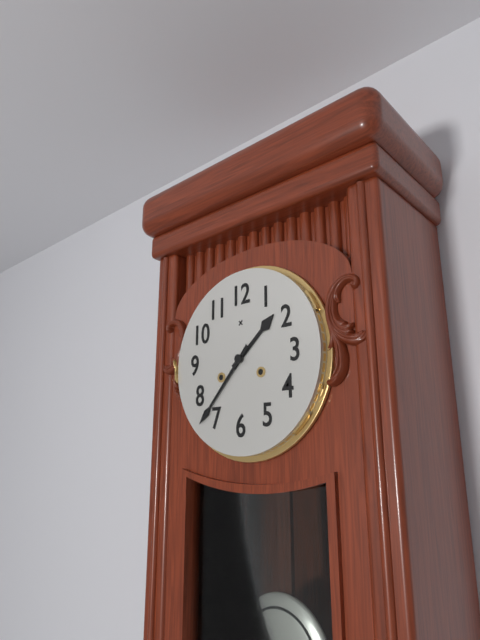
**1:37**
